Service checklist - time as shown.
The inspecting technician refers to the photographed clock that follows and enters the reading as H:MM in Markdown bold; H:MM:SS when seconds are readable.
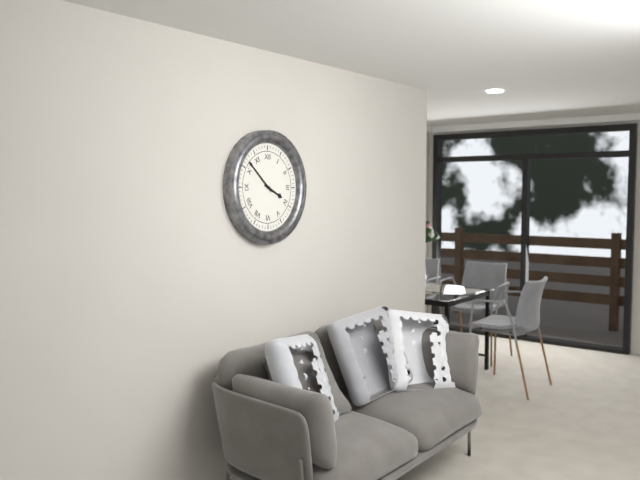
**3:52**
